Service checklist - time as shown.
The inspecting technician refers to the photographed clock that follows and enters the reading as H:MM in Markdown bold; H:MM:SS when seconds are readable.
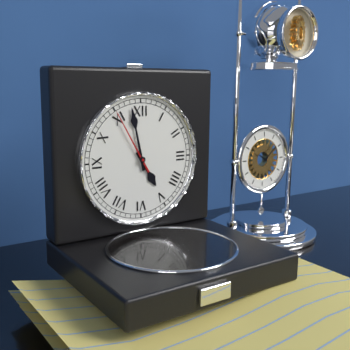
**4:58:55**
